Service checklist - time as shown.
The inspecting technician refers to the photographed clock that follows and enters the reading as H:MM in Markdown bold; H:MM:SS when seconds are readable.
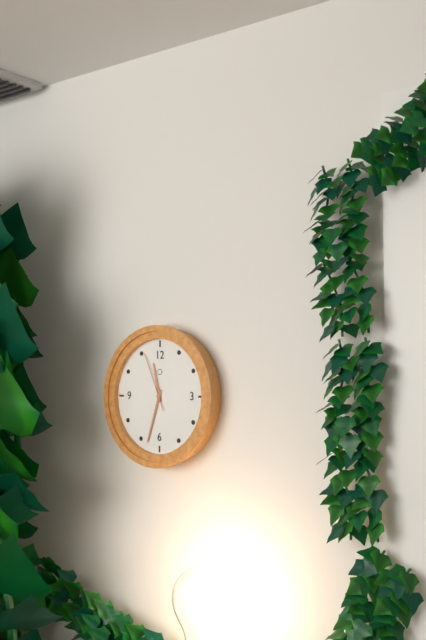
**11:33:56**
